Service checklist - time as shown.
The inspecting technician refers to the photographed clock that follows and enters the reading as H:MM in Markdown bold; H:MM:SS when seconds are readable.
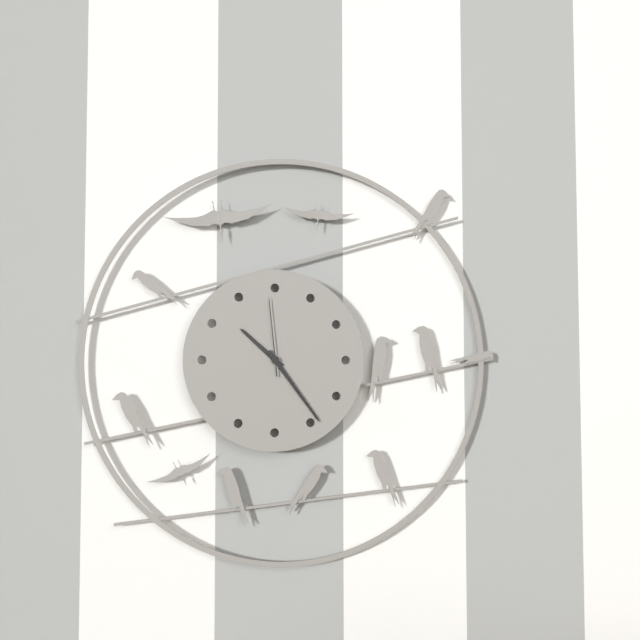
**10:24:59**
